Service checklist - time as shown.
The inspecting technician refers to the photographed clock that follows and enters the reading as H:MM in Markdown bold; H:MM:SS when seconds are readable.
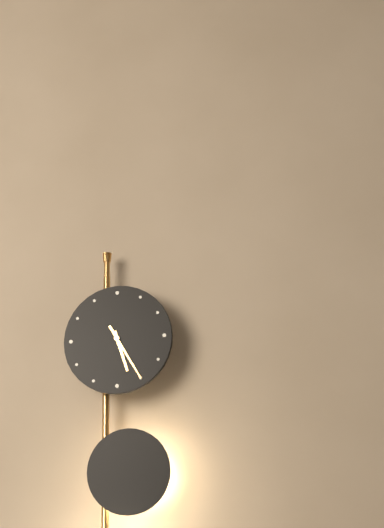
**5:25**
